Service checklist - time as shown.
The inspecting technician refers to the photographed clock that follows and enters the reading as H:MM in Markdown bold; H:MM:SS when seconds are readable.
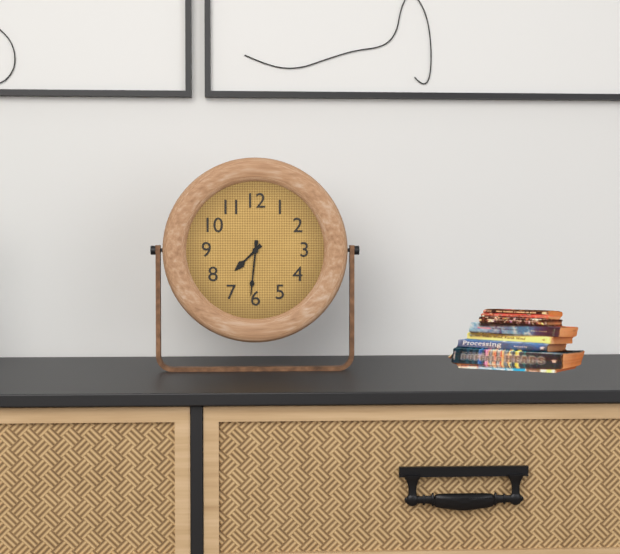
**7:31**
